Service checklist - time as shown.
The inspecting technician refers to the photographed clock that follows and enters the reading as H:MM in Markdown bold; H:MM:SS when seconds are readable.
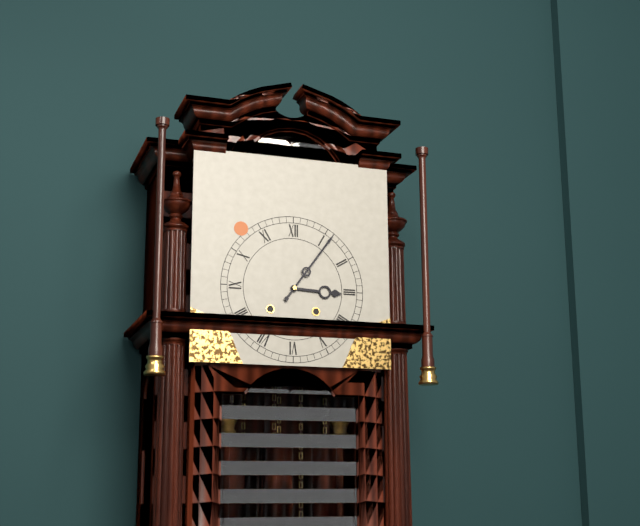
**3:06**
